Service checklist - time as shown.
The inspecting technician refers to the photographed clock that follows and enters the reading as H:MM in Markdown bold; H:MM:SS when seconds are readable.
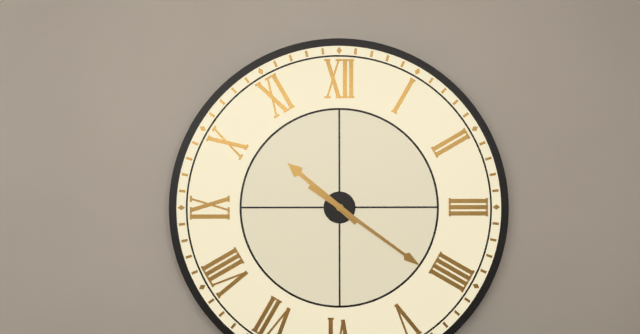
**10:21**
